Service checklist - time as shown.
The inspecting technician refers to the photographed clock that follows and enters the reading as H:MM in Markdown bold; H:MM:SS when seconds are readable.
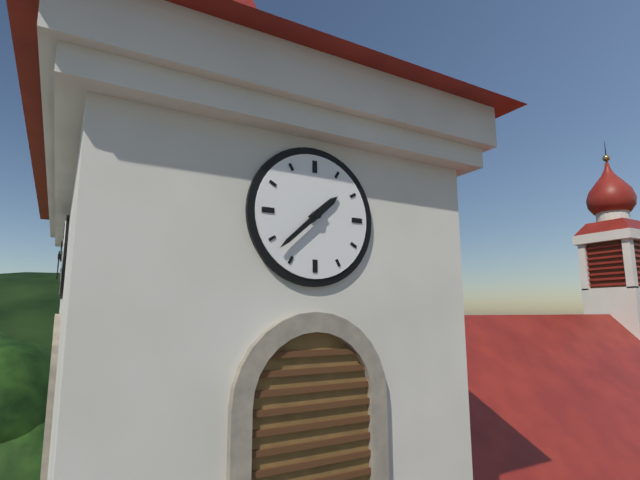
**1:38**
